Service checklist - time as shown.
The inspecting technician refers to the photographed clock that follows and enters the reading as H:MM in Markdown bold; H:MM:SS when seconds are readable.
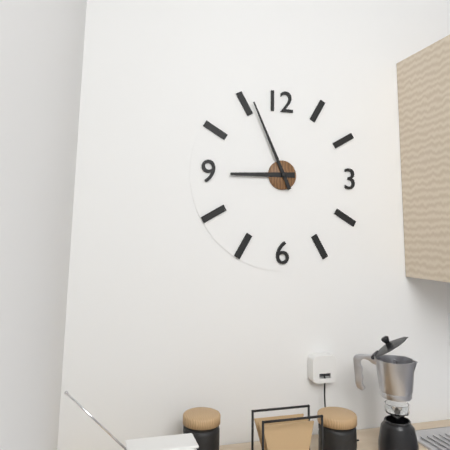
**8:56**
